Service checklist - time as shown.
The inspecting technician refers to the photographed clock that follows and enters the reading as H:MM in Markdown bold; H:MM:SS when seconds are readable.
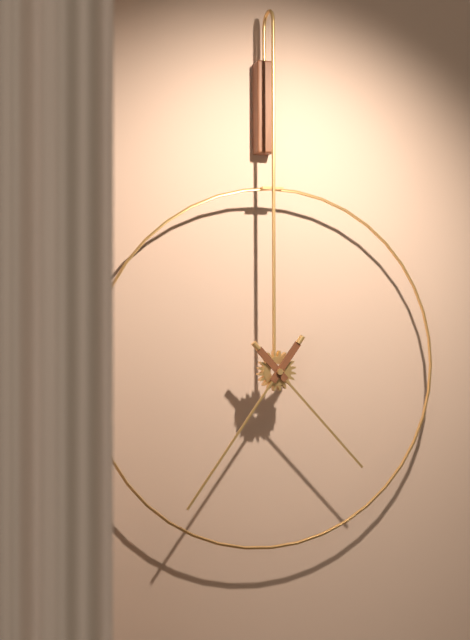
**4:36**
